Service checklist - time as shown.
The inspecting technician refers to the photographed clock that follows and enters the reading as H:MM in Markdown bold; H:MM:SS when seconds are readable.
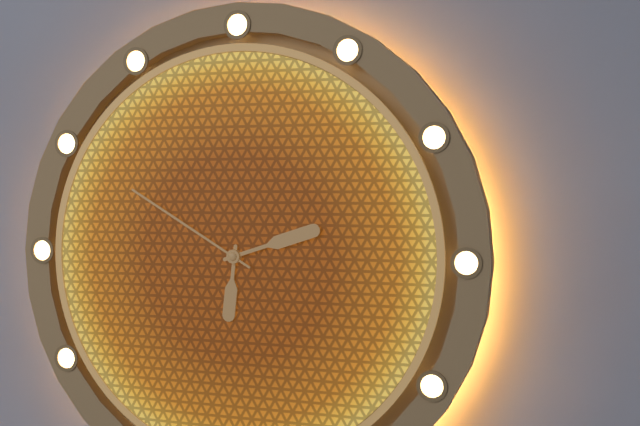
**6:12:50**
